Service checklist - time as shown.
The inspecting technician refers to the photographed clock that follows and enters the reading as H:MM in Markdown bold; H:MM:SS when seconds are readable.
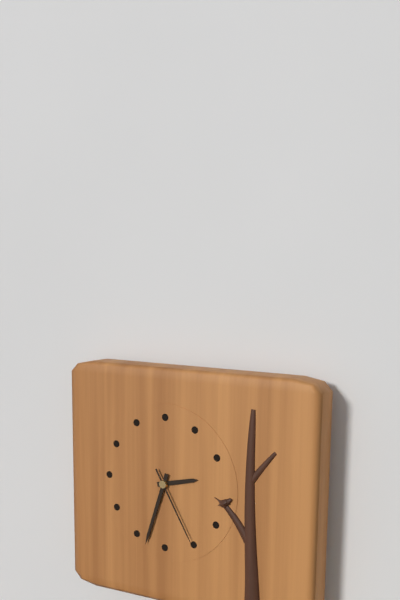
**2:33:25**
